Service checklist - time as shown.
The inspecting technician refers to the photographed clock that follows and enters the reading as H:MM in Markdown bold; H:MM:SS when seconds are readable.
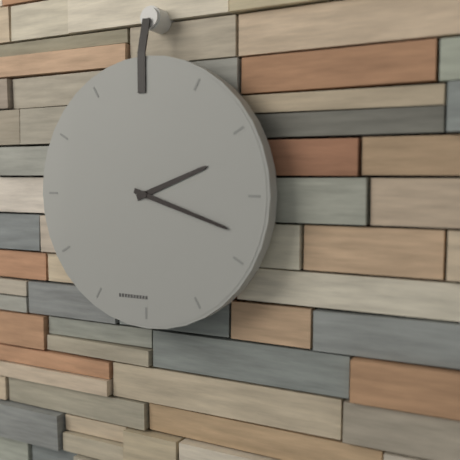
**2:18**
